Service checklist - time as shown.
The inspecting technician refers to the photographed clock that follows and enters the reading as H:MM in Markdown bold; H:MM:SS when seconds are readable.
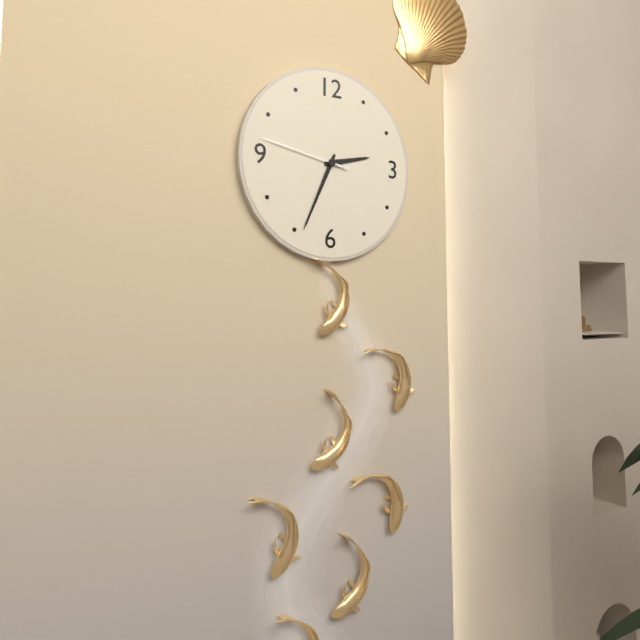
**2:34:47**
